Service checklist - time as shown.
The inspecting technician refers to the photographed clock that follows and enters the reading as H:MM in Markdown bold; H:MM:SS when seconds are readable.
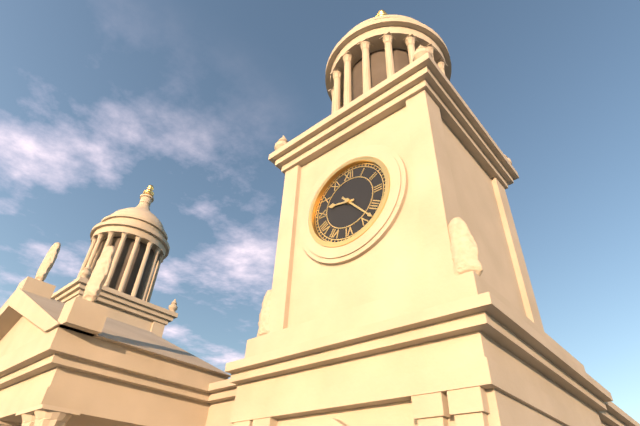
**9:23**
